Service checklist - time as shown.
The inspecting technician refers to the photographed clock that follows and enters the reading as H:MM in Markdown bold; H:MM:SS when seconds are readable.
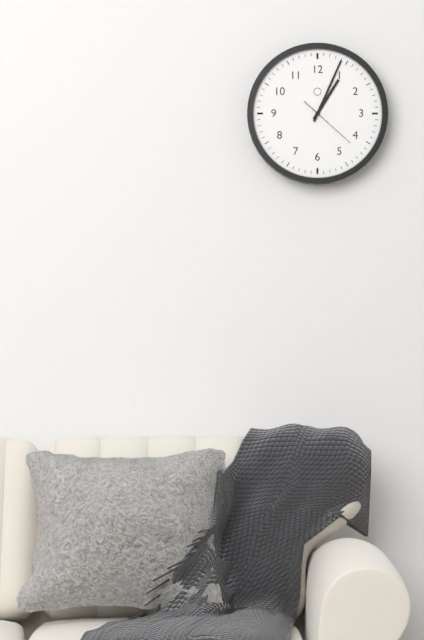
**1:04:22**
